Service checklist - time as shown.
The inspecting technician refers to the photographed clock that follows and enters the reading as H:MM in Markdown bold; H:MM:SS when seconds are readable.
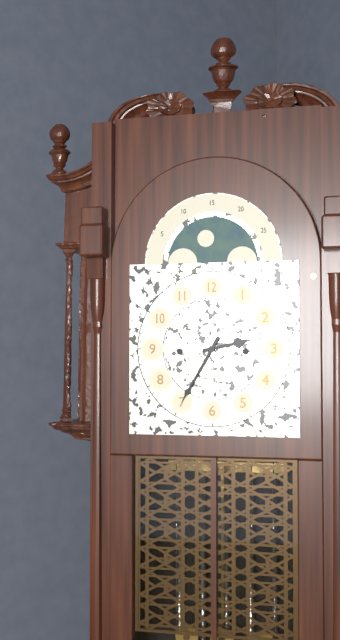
**2:35**
